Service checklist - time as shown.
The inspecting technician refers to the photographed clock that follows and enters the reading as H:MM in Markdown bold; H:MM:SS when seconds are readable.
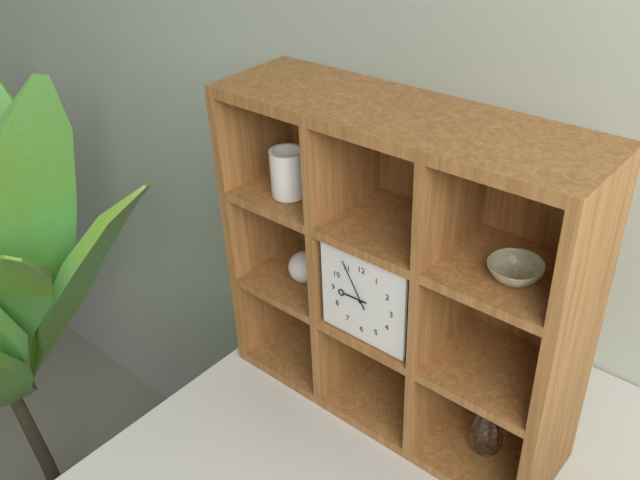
**8:55**
